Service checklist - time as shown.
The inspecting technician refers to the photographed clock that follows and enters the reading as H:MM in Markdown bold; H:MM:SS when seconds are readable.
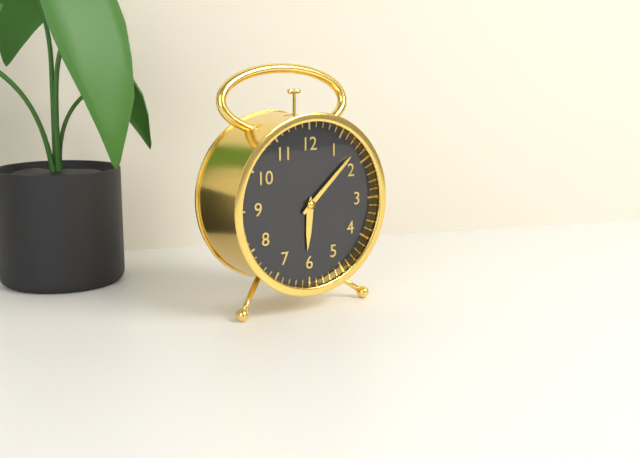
**6:08**
